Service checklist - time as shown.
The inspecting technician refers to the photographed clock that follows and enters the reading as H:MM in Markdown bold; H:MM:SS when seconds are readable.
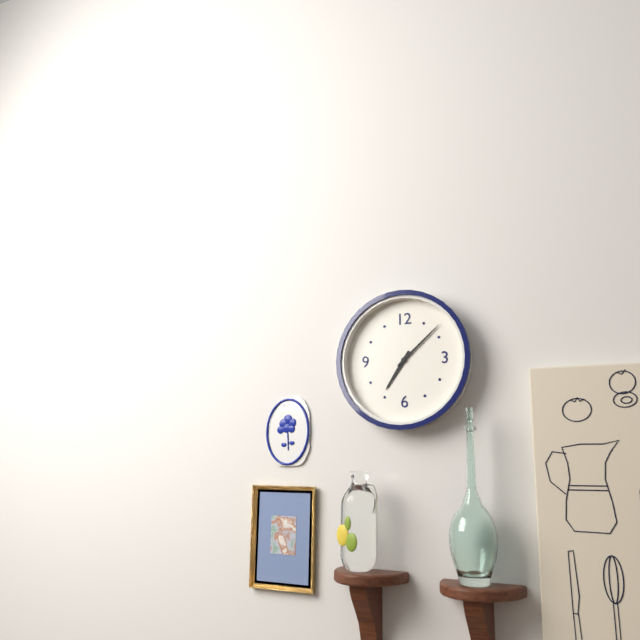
**7:08**
